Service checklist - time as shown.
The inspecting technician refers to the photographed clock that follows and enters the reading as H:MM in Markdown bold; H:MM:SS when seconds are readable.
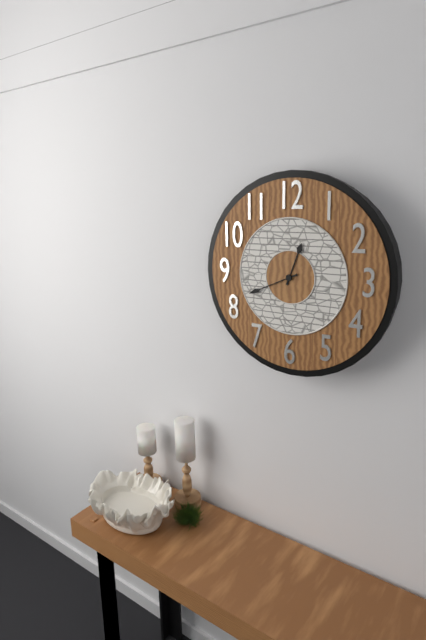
**12:41**
